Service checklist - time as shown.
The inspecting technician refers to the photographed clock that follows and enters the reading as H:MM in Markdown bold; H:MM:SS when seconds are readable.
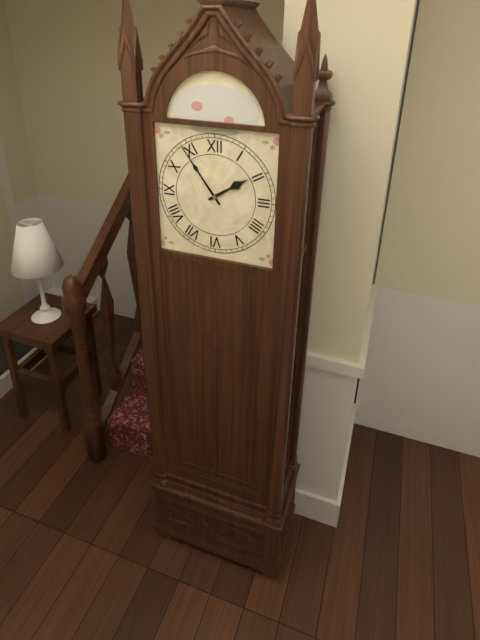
**1:54**
